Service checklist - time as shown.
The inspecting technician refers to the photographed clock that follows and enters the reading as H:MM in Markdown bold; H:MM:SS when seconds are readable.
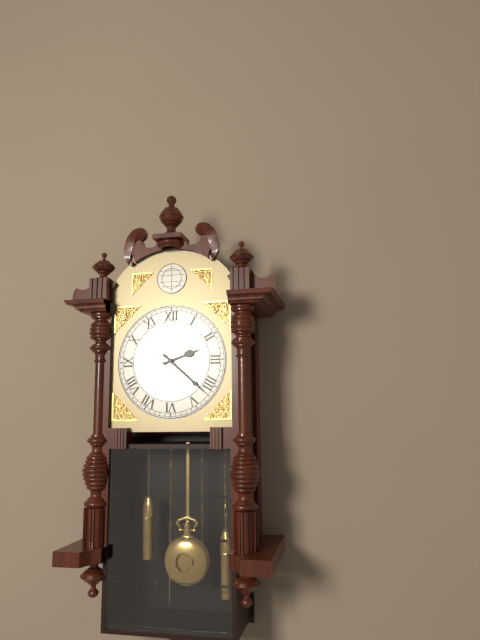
**2:22**
